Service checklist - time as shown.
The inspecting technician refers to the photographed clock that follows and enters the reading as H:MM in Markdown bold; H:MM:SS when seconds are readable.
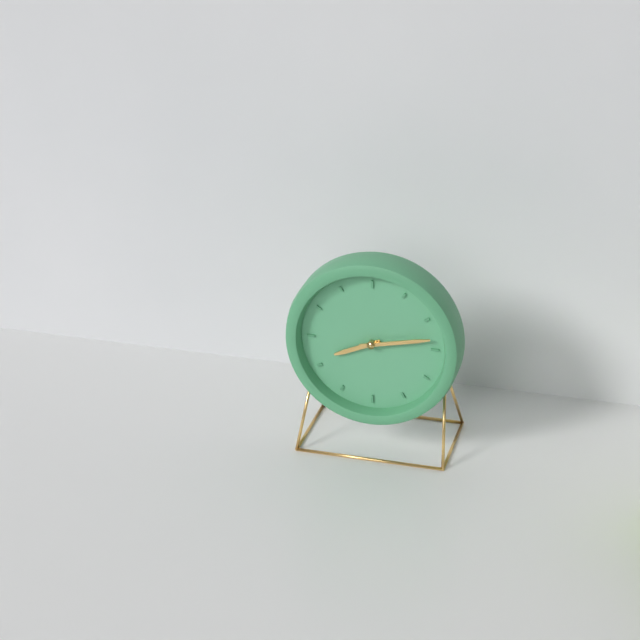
**8:13**
